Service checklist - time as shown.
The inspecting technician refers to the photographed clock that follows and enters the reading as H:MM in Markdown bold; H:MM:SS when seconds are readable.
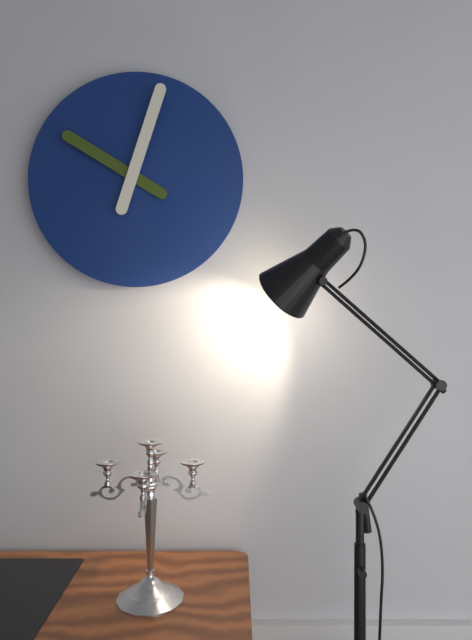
**10:03**
